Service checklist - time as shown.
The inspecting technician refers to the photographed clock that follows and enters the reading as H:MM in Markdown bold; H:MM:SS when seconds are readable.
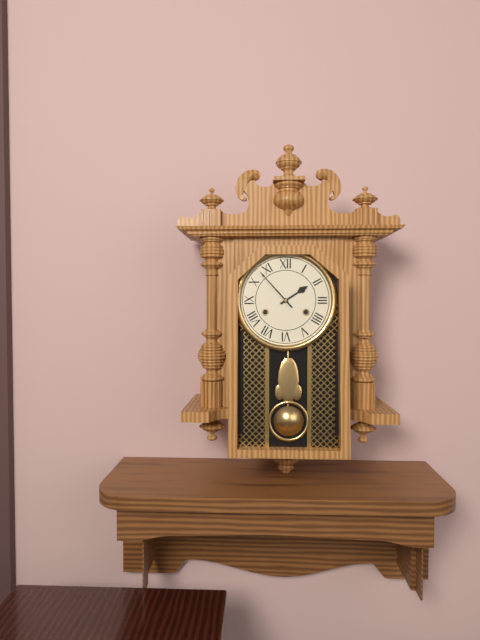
**1:53**
